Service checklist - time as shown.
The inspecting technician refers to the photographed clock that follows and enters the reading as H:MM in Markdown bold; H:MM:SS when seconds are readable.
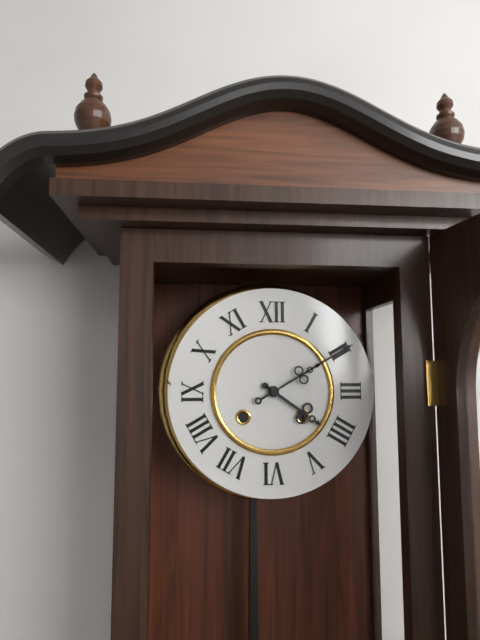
**4:10**
